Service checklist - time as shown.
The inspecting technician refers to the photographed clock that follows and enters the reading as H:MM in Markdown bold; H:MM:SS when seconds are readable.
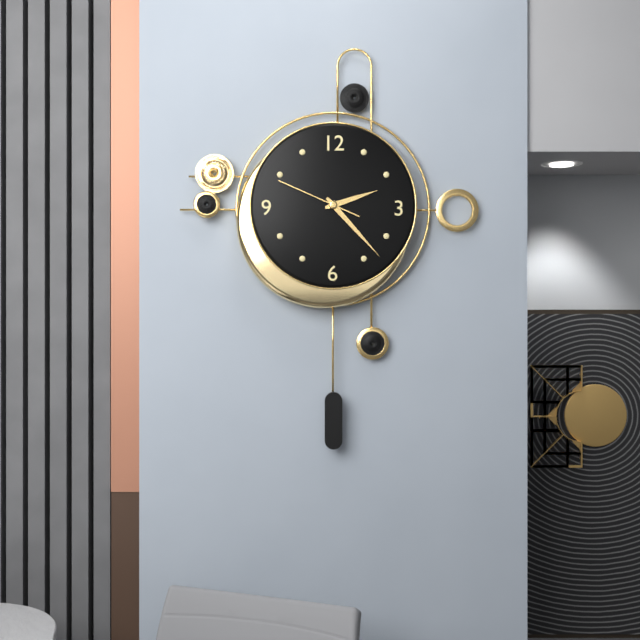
**2:23:49**
